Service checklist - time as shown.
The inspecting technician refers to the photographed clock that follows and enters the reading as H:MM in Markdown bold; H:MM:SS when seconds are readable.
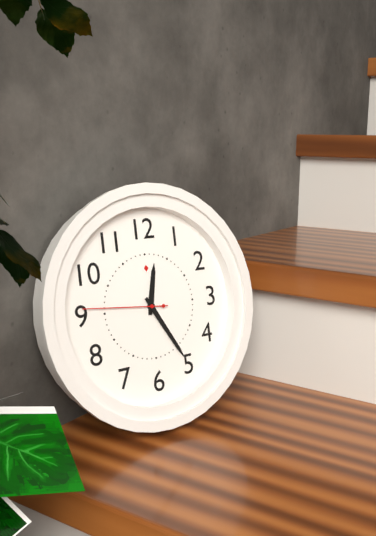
**12:25:46**
